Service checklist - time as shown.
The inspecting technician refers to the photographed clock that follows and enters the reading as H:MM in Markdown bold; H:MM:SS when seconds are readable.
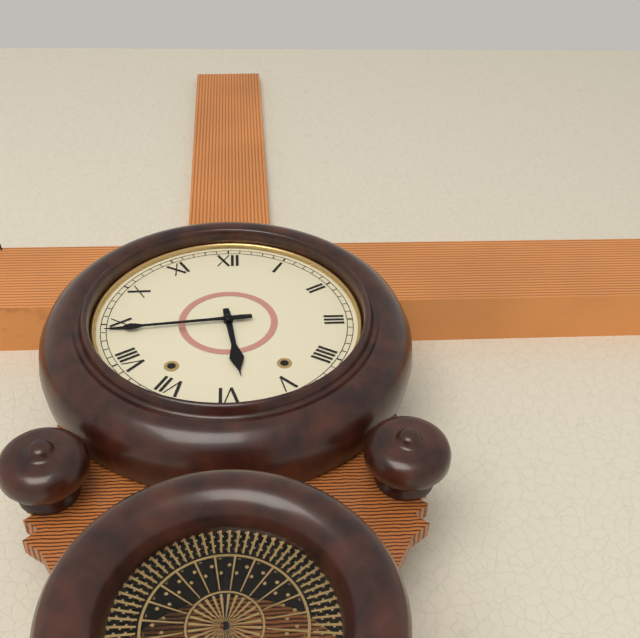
**5:44**
